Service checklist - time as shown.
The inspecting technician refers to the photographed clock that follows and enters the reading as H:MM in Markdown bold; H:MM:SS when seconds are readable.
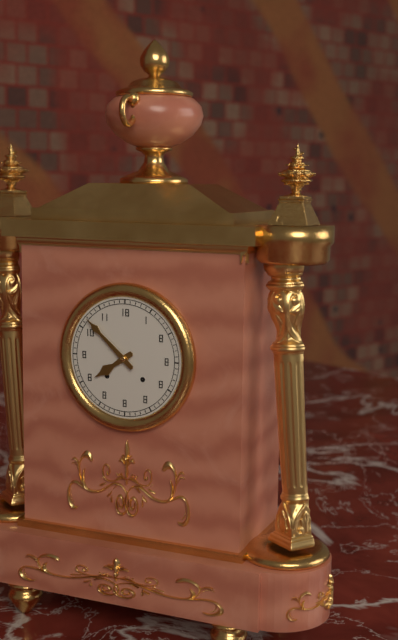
**7:52**
